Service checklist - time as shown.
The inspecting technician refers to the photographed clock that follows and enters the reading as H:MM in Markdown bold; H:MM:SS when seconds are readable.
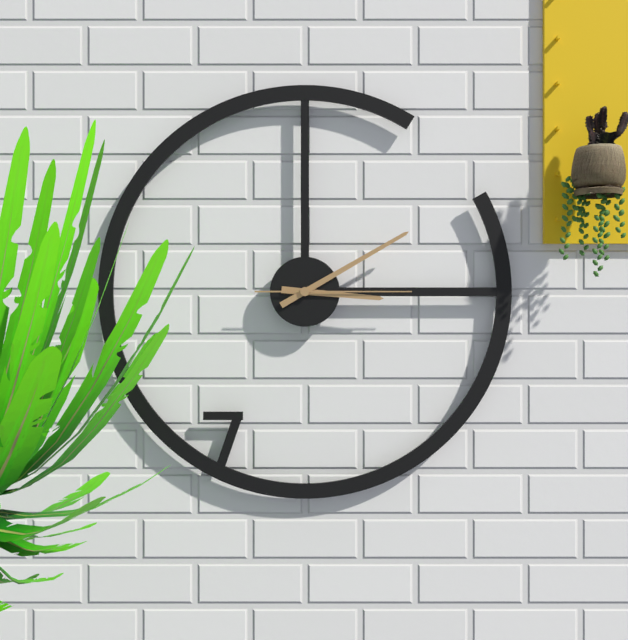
**3:10:15**
